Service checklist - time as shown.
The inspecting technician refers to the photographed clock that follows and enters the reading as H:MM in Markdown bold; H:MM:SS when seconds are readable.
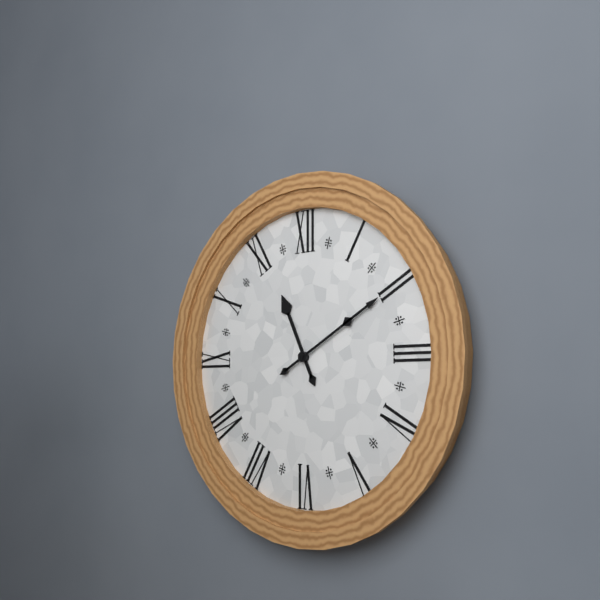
**11:10**
